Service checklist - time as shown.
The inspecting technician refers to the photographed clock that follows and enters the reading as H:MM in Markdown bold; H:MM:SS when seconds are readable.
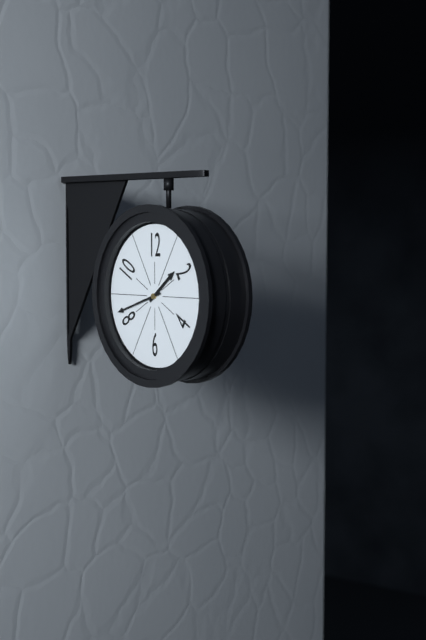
**1:42**
